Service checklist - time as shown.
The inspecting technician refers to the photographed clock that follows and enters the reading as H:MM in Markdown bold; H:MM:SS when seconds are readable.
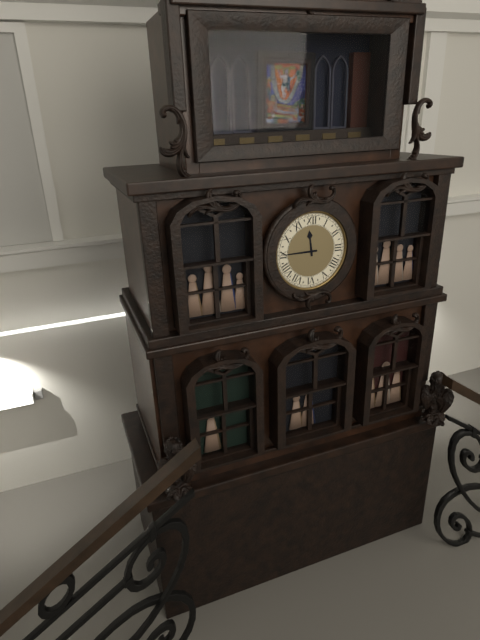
**11:45**
